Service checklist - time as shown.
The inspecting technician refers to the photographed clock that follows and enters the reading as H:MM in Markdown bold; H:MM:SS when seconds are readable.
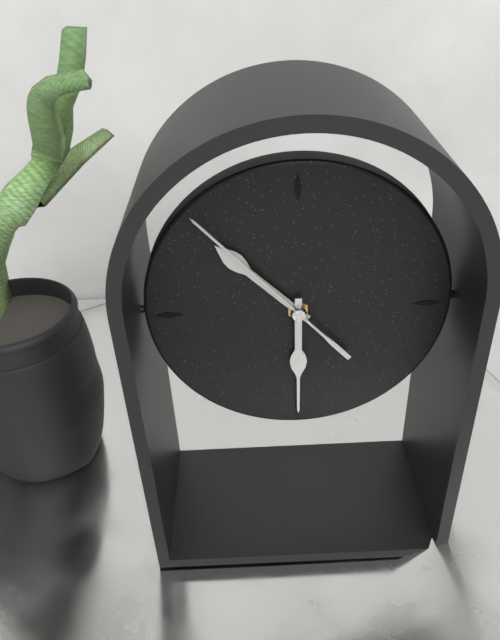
**10:30:53**
